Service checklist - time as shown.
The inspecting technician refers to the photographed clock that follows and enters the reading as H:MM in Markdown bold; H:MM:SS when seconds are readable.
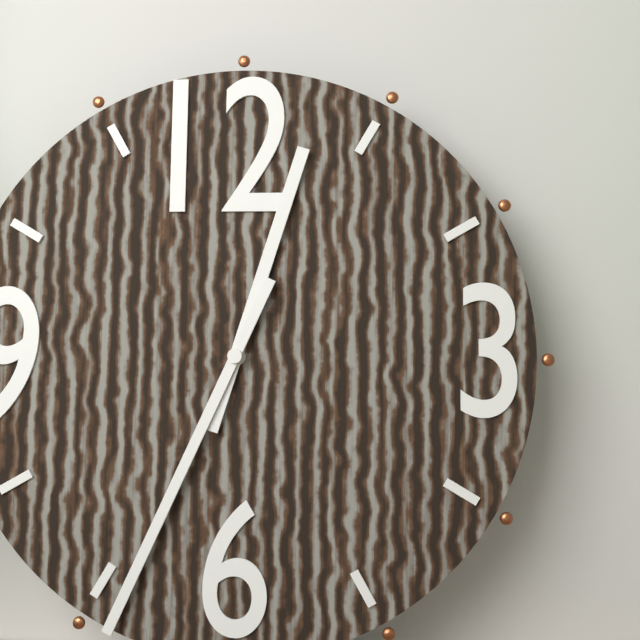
**12:34**
